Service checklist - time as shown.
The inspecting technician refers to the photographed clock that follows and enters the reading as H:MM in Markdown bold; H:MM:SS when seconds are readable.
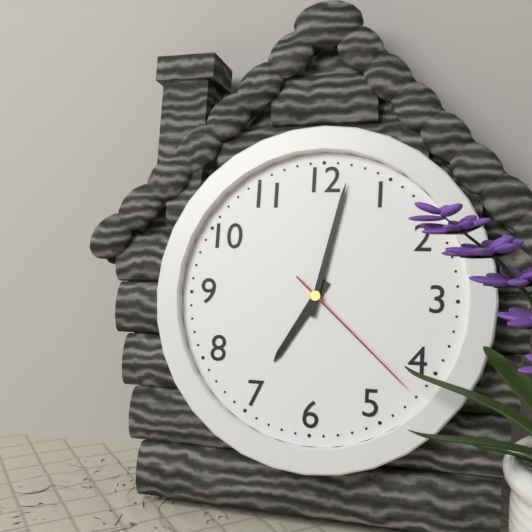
**7:02:22**
